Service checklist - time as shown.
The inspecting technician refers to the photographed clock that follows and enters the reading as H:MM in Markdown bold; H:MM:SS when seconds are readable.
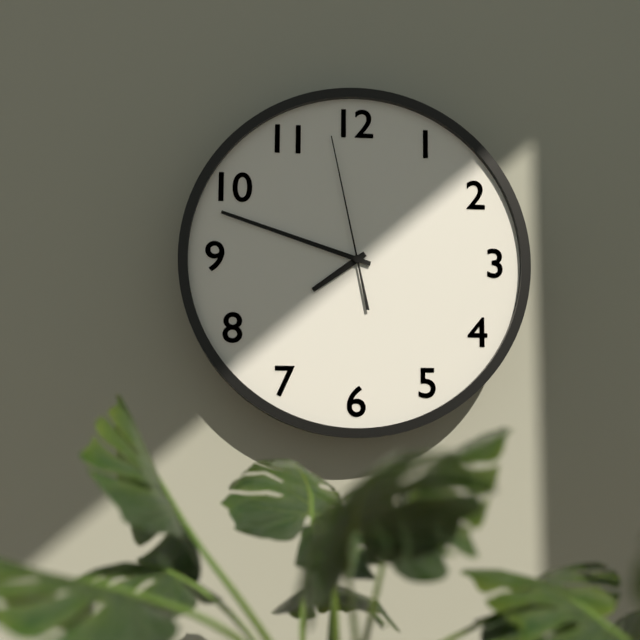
**7:48:58**
